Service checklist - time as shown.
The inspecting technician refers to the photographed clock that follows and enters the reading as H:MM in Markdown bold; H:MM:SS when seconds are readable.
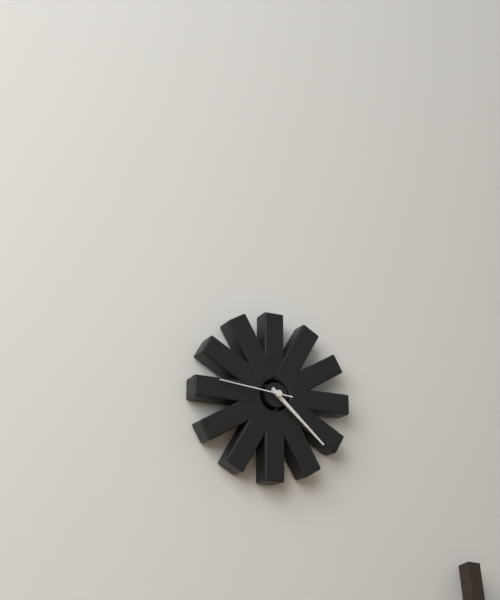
**4:22:46**
